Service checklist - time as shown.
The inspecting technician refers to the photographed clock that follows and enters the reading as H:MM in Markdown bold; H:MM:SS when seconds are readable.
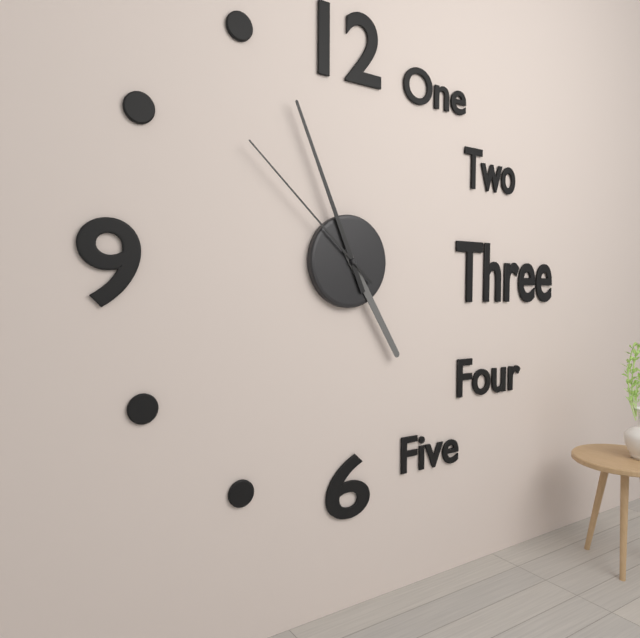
**4:56:52**
